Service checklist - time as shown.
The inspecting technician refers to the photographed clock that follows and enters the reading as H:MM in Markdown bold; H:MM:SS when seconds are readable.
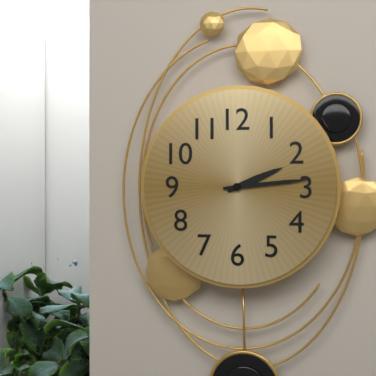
**2:14**
